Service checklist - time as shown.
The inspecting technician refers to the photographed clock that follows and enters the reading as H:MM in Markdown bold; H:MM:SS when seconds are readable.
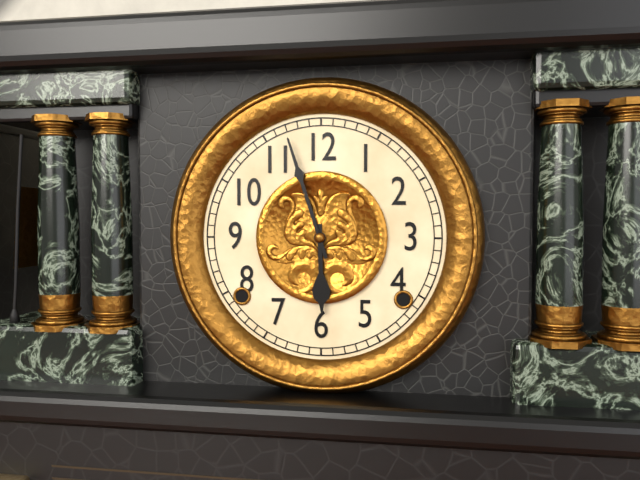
**5:57**
